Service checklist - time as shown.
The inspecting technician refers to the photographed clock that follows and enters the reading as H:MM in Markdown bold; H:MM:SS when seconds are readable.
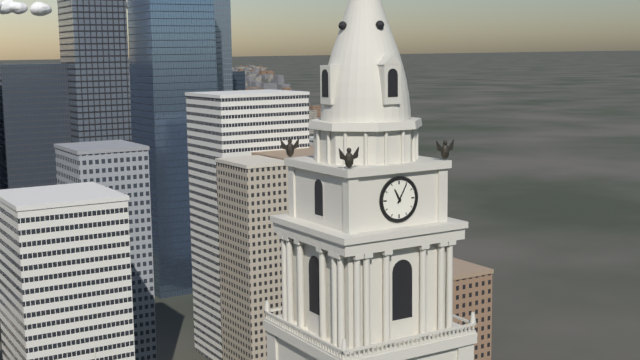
**11:05**
